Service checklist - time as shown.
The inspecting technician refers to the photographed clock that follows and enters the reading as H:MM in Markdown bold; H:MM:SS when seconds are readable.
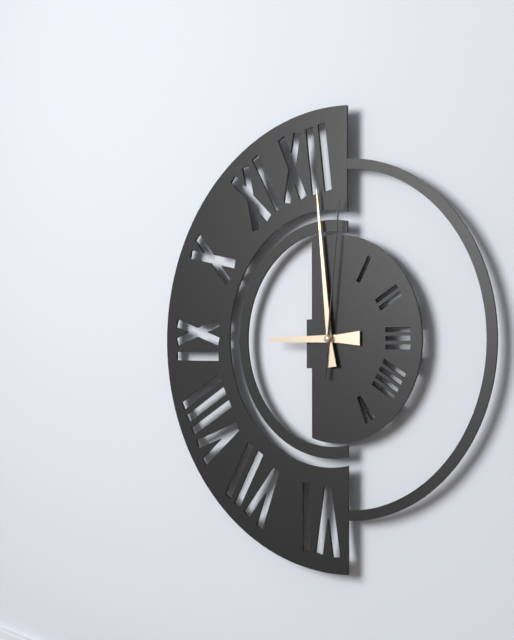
**8:59:01**
